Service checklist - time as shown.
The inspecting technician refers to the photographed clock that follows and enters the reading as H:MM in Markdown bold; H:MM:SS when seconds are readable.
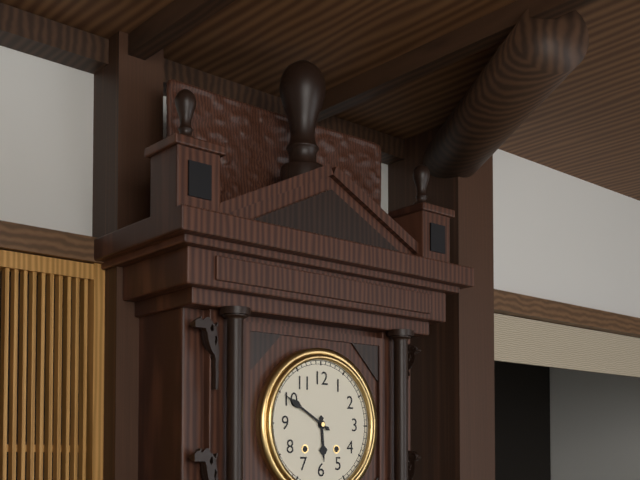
**5:50**
